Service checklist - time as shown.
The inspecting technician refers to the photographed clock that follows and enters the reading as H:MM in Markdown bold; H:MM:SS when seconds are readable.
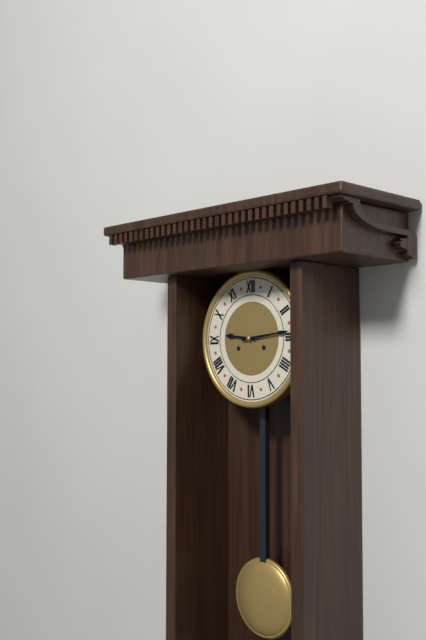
**9:14**
